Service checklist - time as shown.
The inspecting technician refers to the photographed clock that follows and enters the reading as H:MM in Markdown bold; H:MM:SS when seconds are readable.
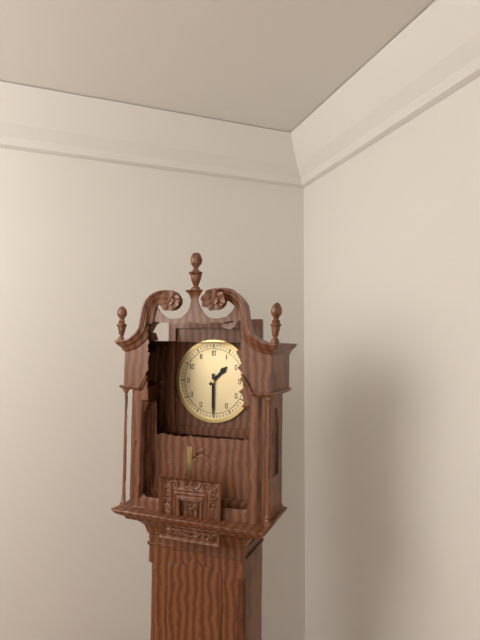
**1:30**
